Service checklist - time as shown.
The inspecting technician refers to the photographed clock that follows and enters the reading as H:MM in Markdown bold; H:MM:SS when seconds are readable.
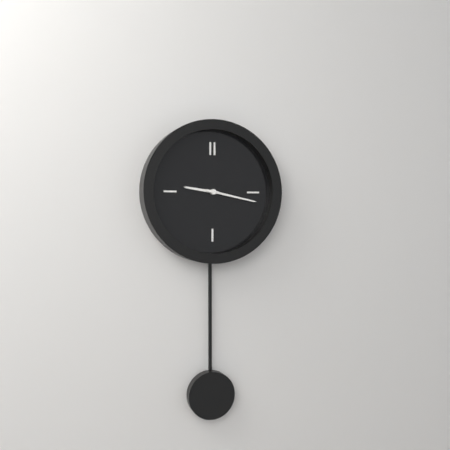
**9:17**
